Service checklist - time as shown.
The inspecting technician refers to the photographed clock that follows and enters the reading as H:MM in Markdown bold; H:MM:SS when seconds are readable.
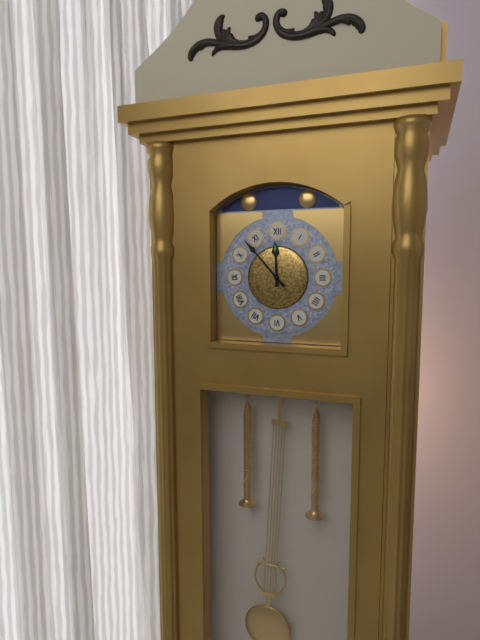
**11:53**
